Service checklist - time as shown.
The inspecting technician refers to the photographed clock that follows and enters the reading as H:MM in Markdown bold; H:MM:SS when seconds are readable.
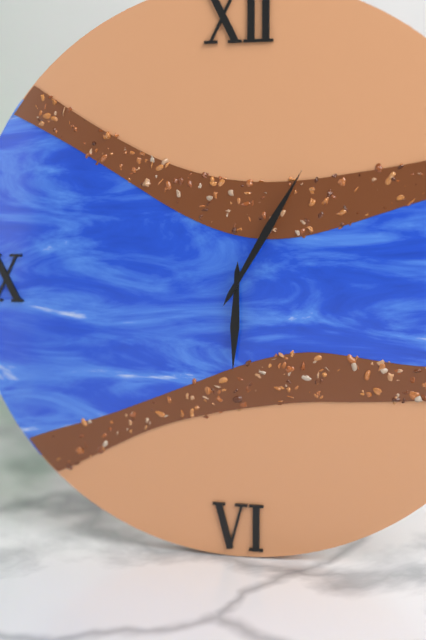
**6:05**
